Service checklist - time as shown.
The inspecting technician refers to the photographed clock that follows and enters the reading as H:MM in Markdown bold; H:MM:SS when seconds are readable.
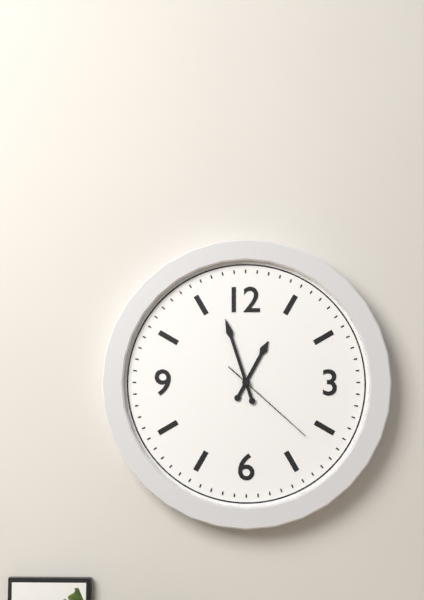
**12:57:22**
